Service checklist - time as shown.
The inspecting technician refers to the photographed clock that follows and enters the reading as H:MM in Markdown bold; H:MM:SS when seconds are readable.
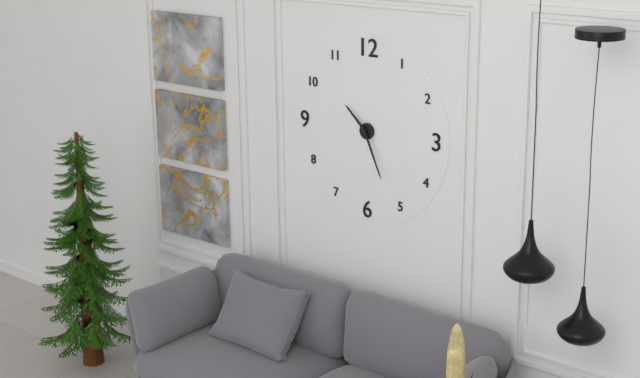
**10:26**
